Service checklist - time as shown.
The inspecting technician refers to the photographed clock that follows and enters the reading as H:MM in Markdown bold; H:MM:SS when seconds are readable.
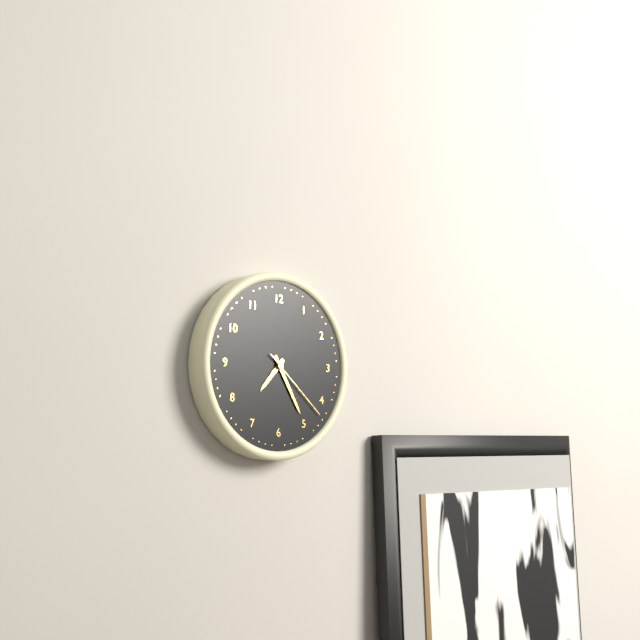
**7:25:22**
